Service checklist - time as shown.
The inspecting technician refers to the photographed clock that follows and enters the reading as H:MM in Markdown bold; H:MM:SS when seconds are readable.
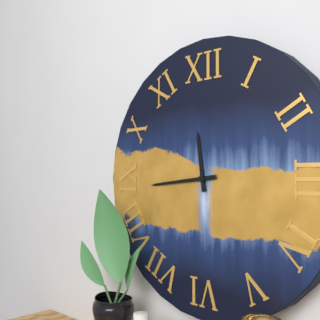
**11:44**
